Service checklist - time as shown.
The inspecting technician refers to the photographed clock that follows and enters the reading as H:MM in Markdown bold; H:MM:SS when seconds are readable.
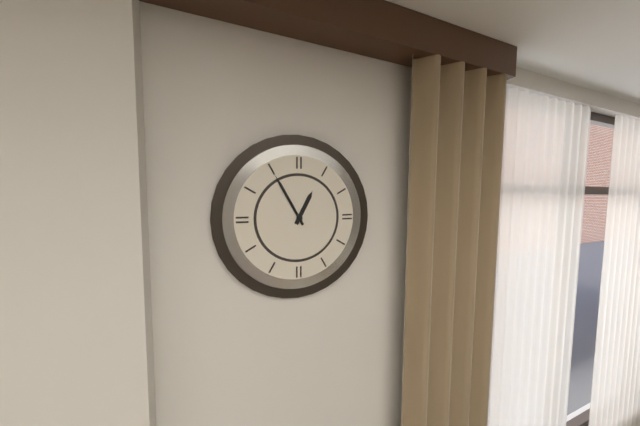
**12:55**
